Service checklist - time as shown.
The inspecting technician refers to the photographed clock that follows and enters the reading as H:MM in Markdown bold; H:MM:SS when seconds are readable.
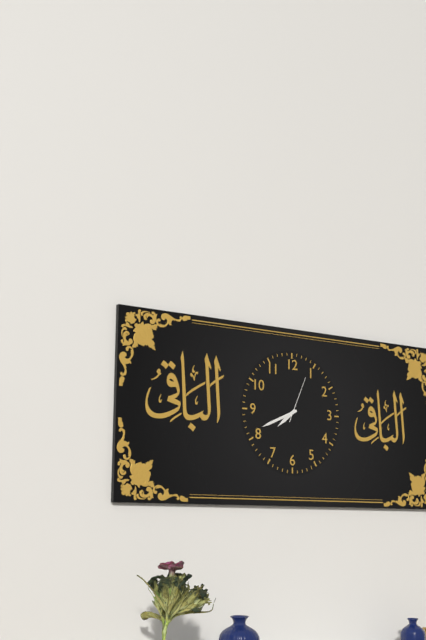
**7:41**
